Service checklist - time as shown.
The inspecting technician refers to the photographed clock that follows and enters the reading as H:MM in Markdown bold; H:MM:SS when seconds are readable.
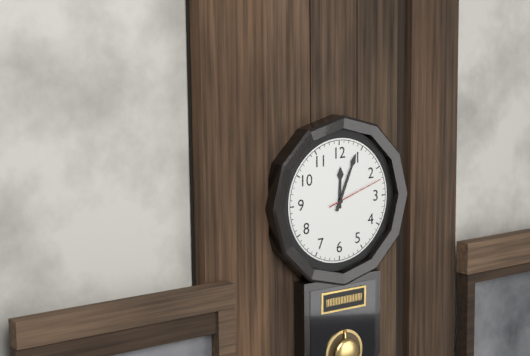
**12:04:12**
